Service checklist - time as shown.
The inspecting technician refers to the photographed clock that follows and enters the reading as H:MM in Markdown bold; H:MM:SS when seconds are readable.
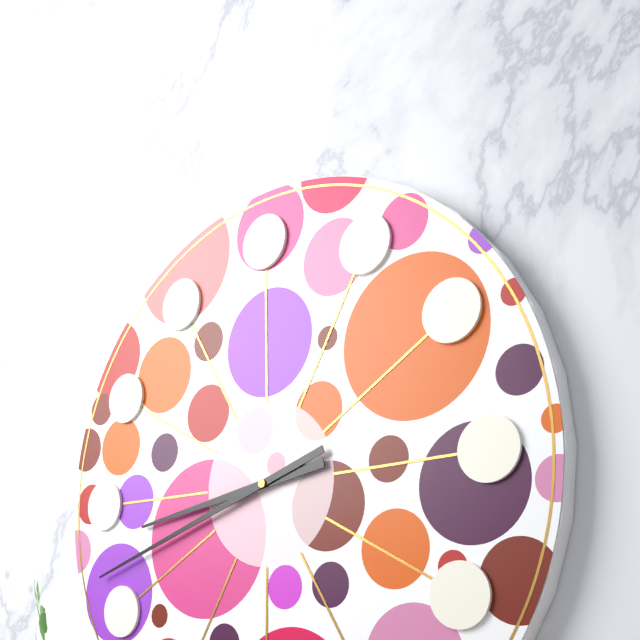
**8:42**
